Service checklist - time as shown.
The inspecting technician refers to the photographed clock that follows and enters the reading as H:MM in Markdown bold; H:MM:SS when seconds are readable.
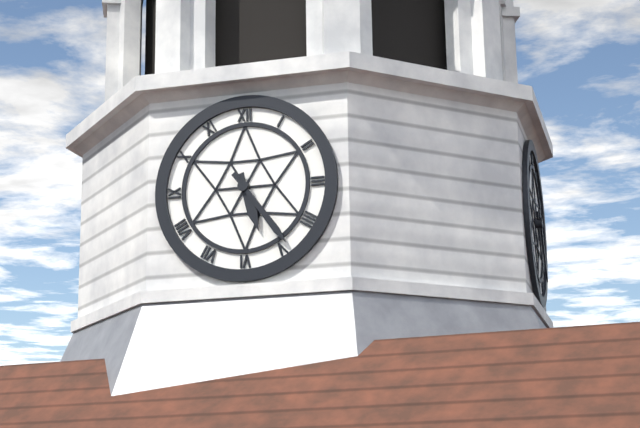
**5:24**
